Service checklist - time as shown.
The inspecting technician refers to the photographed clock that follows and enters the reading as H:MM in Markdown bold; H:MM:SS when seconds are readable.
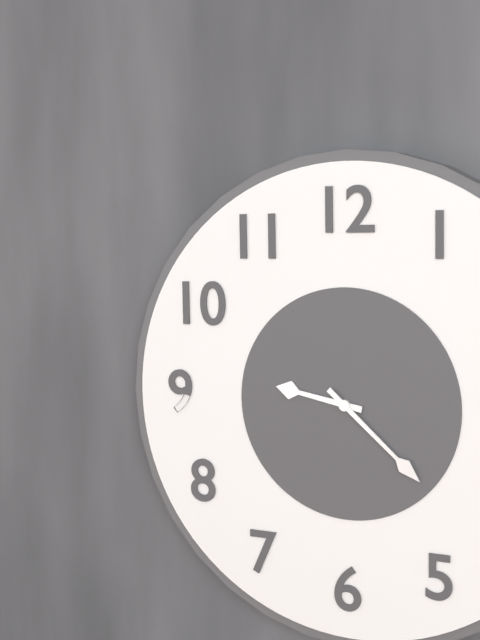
**9:22**
